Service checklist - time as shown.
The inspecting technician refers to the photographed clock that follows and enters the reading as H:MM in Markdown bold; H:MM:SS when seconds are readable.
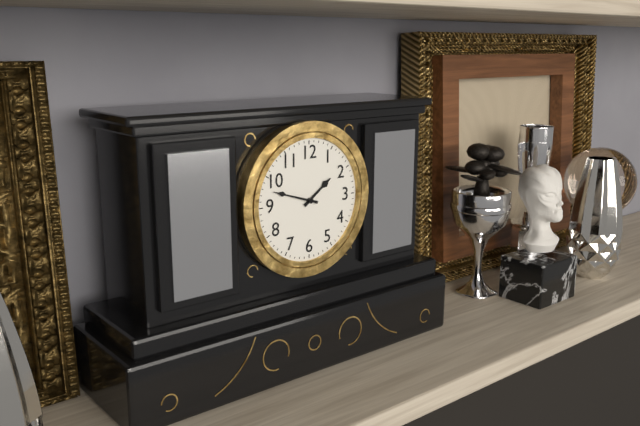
**1:48**
